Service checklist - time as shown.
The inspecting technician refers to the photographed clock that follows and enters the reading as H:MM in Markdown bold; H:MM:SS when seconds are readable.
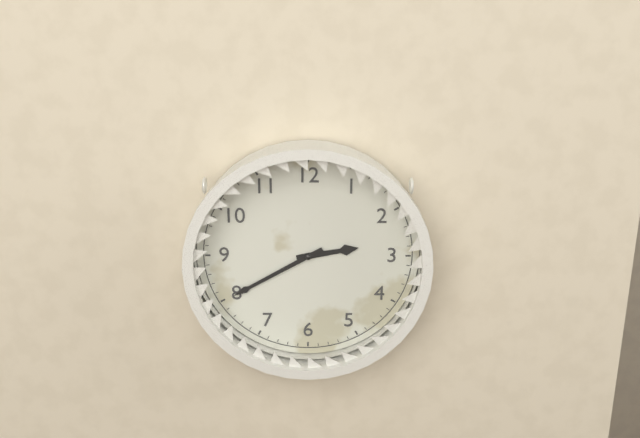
**2:40**
